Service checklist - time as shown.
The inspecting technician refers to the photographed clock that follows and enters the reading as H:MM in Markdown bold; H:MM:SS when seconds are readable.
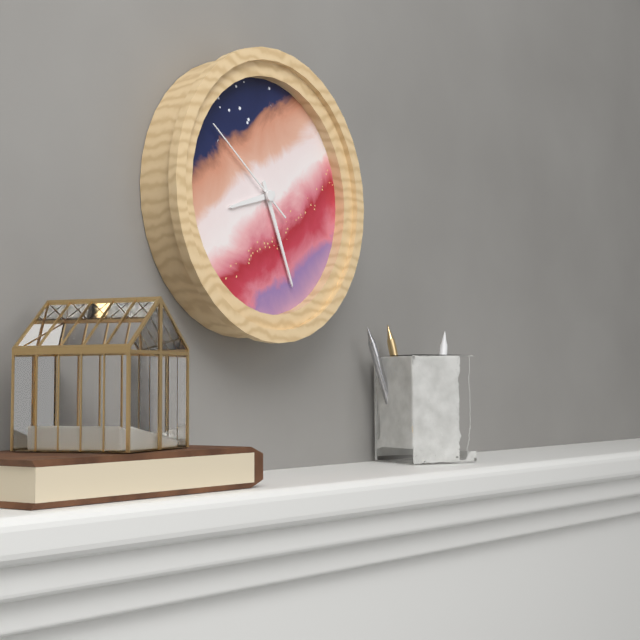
**8:26:51**
